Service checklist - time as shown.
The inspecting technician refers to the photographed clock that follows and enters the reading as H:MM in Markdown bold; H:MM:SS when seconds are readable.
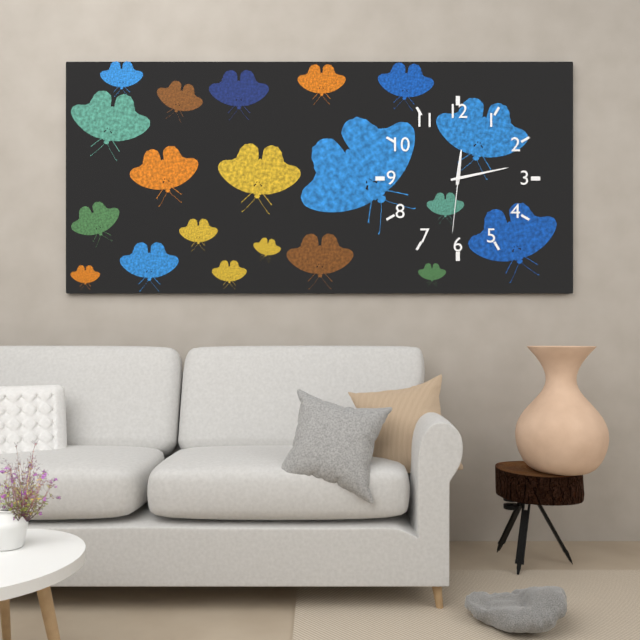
**12:13:31**
